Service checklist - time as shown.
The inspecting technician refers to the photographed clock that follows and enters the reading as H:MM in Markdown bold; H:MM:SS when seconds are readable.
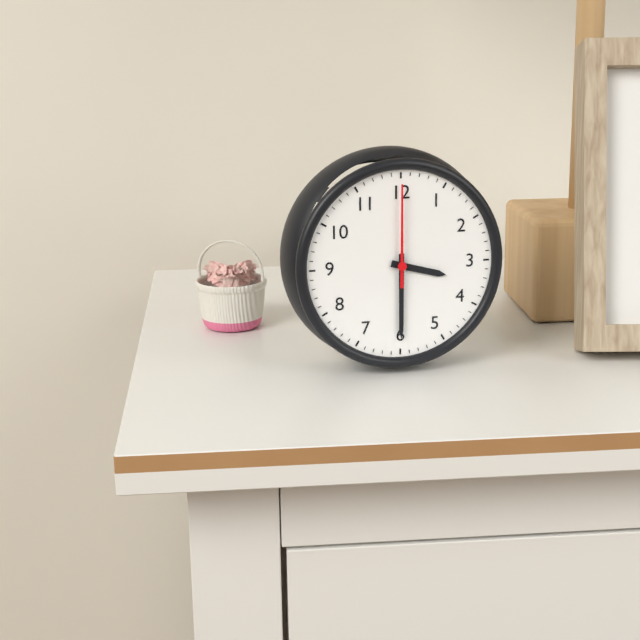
**3:30:00**
